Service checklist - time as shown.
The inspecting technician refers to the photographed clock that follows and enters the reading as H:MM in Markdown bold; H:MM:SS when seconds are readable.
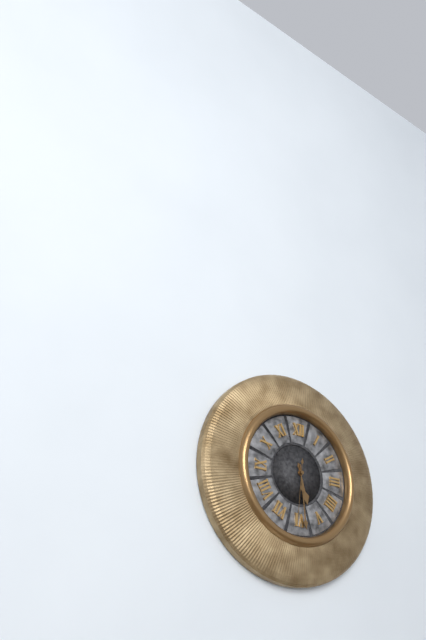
**5:29:31**
